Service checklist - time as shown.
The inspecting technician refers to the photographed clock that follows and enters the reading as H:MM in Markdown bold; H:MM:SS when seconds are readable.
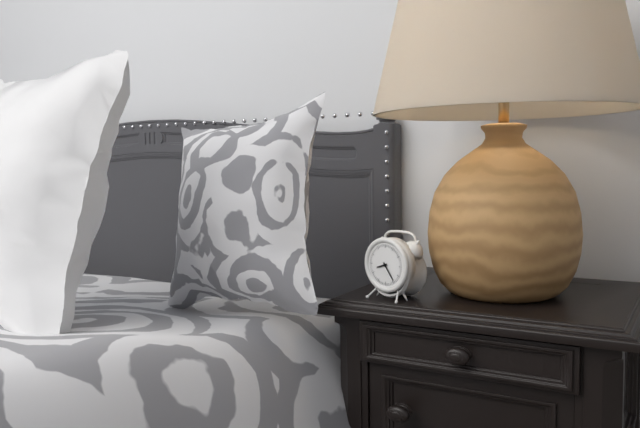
**8:24**
